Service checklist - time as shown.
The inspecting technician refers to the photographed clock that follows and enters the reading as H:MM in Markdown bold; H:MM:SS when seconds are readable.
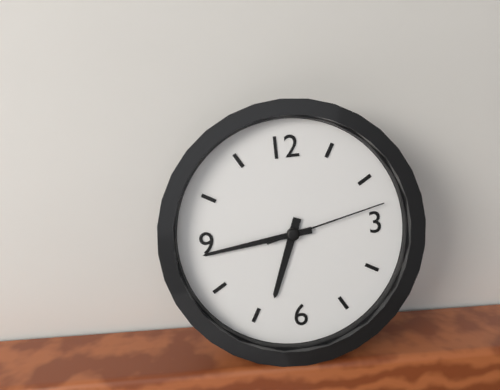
**6:44:13**
